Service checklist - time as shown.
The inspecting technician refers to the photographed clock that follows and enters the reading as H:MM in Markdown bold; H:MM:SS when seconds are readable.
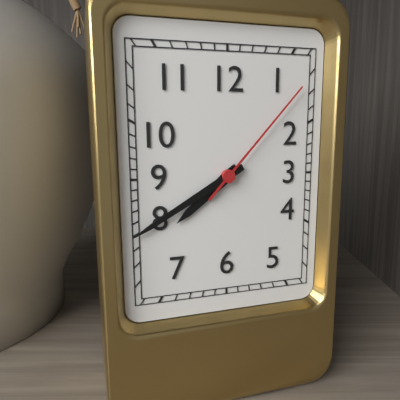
**7:40:07**
